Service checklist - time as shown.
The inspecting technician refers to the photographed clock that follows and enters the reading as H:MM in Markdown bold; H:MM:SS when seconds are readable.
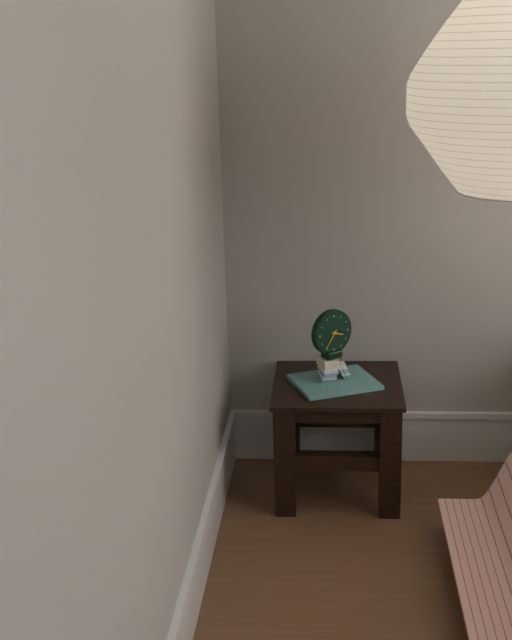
**3:36**
